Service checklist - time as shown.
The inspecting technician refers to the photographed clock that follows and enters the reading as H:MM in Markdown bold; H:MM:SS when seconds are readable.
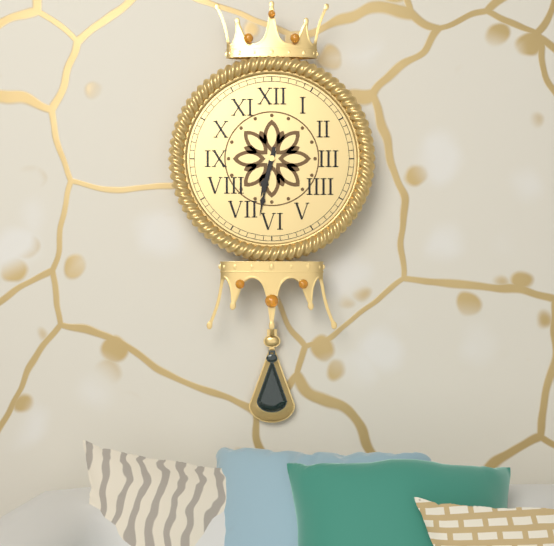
**6:32**
